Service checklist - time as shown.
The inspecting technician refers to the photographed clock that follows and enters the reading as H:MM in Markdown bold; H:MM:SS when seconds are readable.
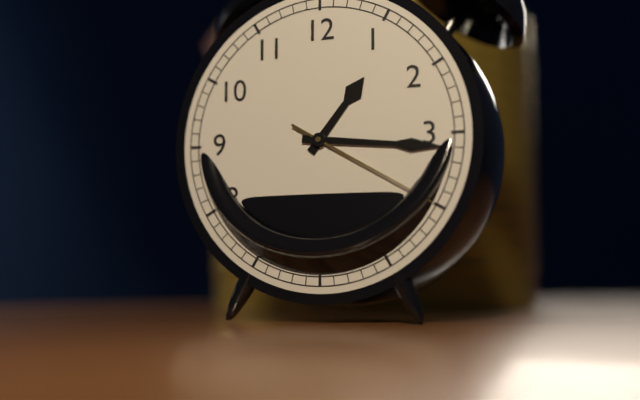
**1:16:20**
